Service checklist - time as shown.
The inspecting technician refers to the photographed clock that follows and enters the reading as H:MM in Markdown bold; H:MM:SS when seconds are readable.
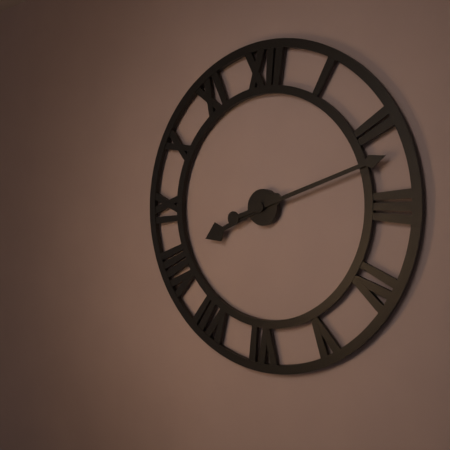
**8:12**
